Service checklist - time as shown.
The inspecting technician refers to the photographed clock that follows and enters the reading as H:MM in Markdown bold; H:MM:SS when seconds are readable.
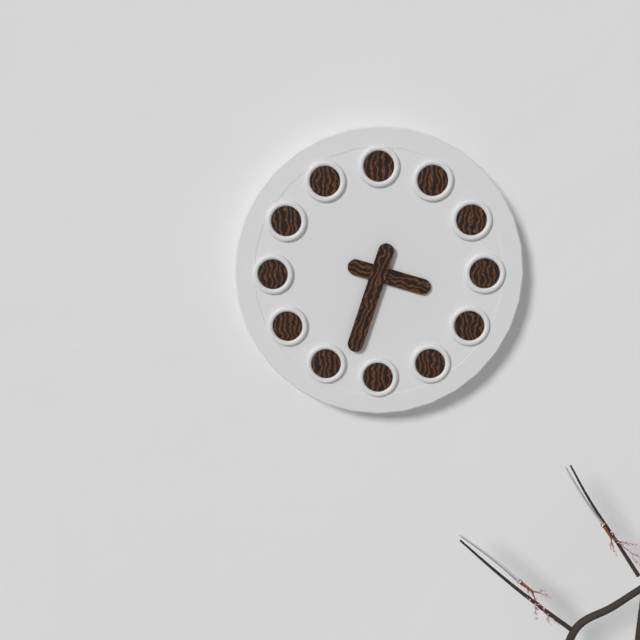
**3:33**
